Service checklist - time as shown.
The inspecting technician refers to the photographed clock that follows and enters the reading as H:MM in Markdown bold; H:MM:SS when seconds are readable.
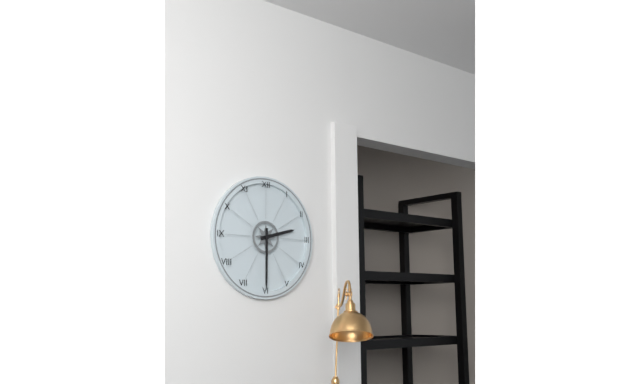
**2:30**
